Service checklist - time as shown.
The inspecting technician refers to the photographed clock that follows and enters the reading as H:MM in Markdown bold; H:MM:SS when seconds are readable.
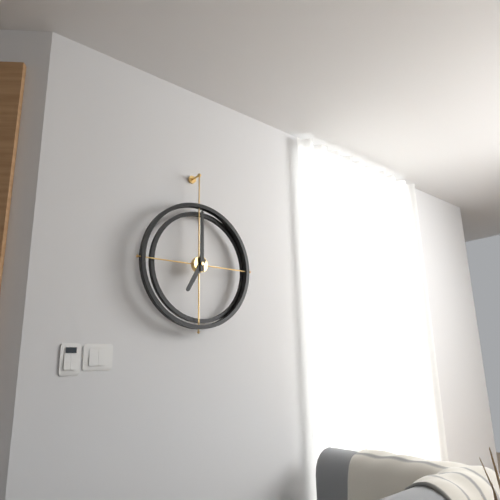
**7:00**
